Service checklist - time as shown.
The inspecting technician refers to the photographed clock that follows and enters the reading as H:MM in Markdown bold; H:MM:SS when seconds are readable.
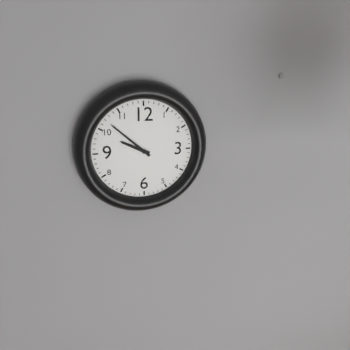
**9:52**
